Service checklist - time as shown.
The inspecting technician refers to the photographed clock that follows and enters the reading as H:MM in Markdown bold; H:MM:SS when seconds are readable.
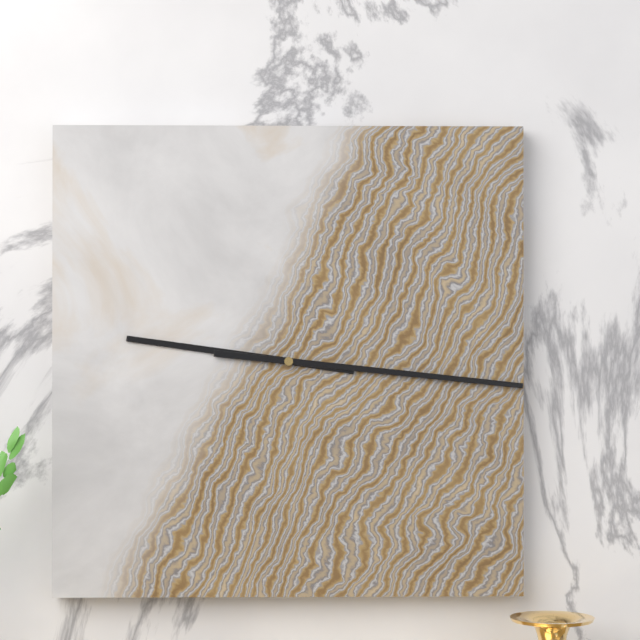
**9:16**
